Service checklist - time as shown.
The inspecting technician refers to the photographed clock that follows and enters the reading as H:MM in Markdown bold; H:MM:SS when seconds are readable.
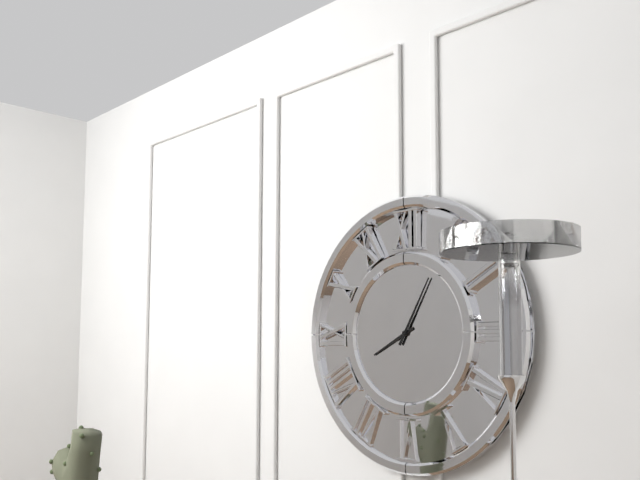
**8:05**
